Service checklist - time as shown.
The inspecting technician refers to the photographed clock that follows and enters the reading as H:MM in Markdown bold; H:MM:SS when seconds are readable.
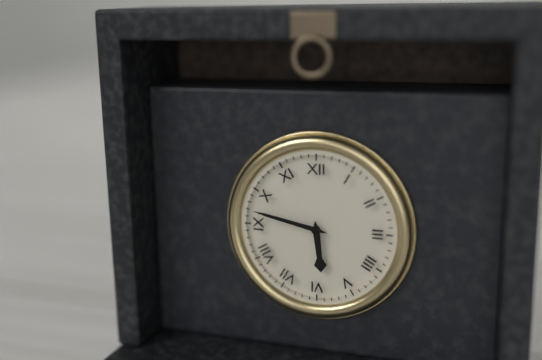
**5:47**
